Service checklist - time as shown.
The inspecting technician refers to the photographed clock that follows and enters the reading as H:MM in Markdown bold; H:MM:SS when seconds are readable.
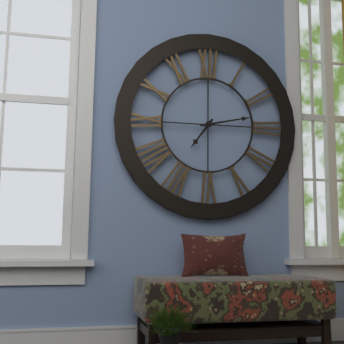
**7:13**
